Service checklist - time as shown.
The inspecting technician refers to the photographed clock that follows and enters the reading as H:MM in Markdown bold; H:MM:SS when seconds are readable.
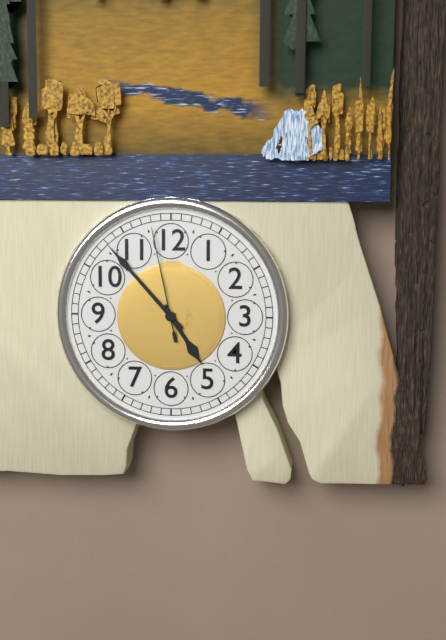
**4:53:58**
